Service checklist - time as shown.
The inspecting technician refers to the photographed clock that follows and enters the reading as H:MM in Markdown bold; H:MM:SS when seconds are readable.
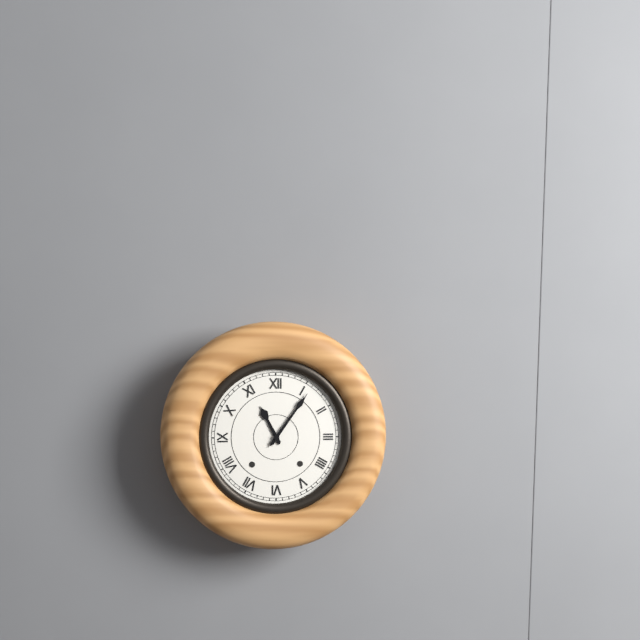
**11:06**
